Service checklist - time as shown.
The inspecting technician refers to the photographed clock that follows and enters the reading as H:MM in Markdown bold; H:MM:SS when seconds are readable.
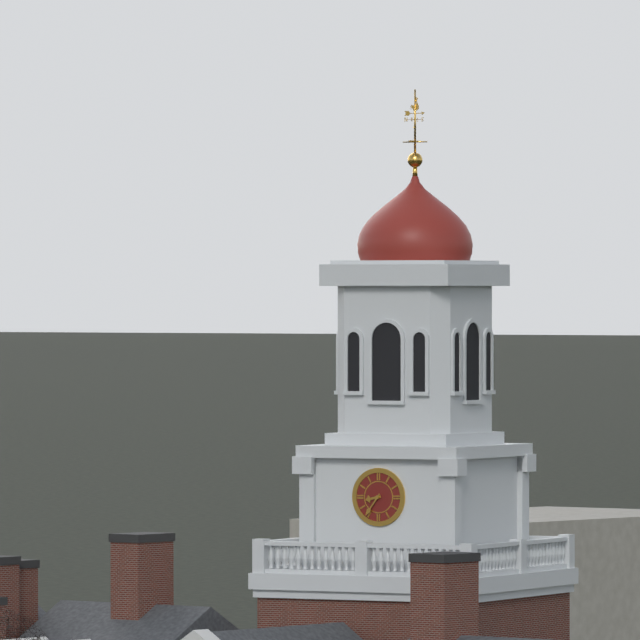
**8:36**
